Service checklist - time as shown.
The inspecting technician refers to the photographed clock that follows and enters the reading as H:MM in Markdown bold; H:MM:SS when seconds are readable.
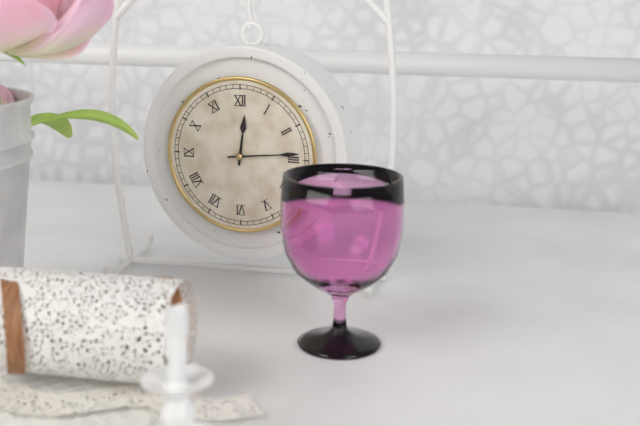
**12:14**
